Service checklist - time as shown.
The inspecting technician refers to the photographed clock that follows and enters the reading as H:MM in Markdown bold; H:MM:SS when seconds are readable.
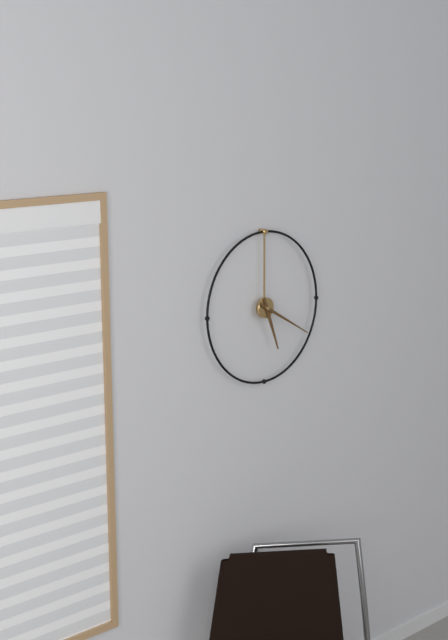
**5:20**
